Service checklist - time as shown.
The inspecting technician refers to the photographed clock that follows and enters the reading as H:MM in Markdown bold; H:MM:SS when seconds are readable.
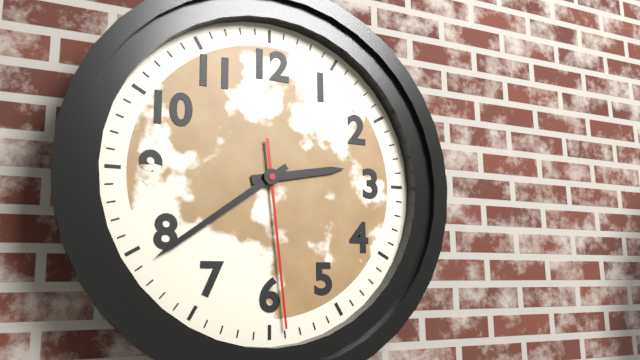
**2:39:29**
